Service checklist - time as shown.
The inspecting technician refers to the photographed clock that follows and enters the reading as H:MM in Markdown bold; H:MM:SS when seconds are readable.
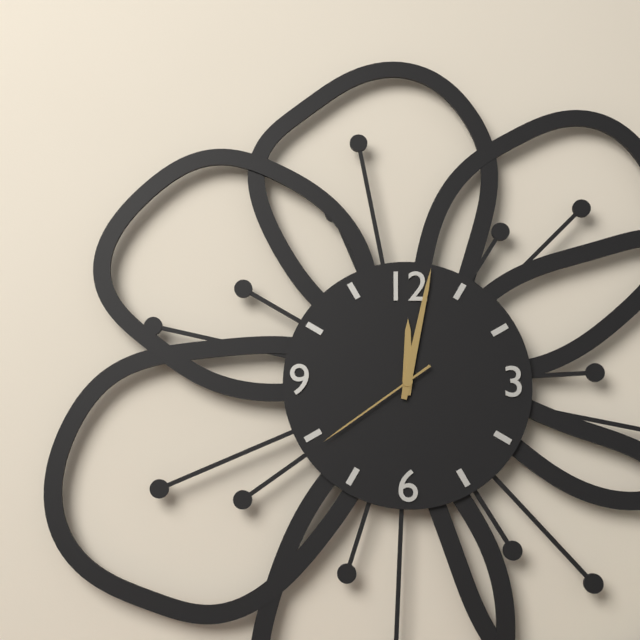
**12:02:39**
